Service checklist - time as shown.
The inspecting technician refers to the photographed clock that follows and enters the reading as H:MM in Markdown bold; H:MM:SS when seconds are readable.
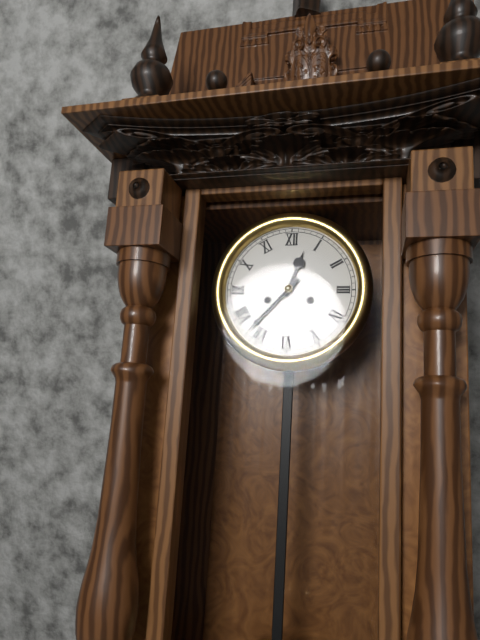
**12:37**
